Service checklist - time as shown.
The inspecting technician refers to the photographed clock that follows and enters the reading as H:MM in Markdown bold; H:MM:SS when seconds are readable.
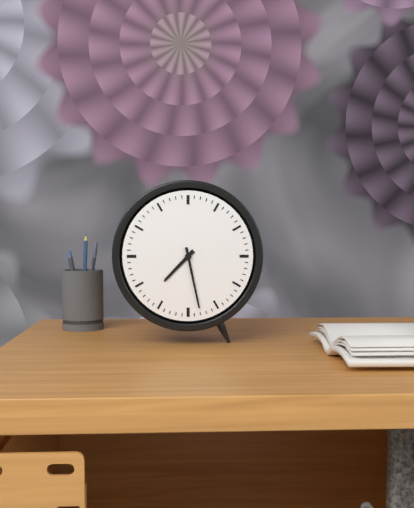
**7:28**
